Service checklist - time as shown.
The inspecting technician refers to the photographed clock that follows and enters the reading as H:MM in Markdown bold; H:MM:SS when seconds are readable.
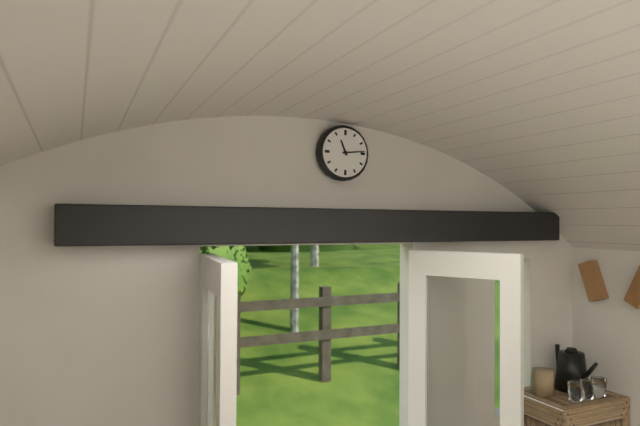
**11:14**
